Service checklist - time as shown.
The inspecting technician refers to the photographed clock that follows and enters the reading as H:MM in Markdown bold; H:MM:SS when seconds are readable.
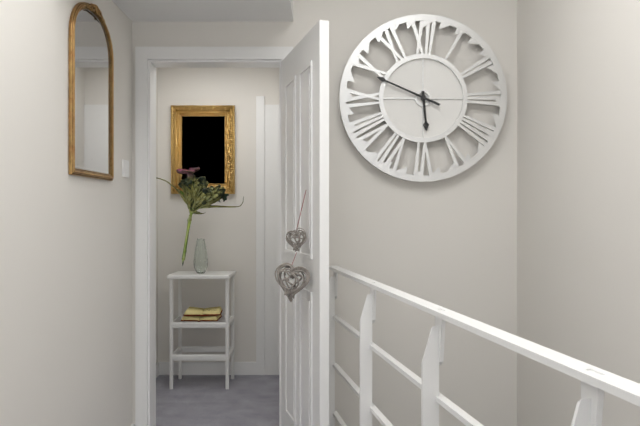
**5:49**
